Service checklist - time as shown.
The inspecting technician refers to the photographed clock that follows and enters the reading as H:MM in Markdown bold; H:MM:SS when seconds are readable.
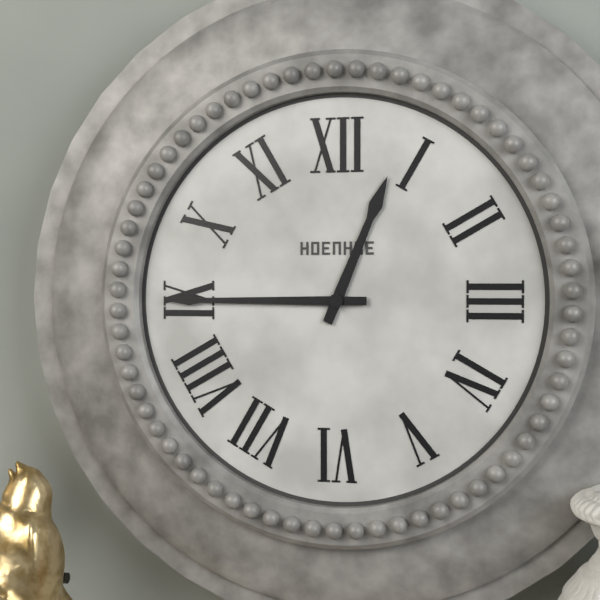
**12:45**
